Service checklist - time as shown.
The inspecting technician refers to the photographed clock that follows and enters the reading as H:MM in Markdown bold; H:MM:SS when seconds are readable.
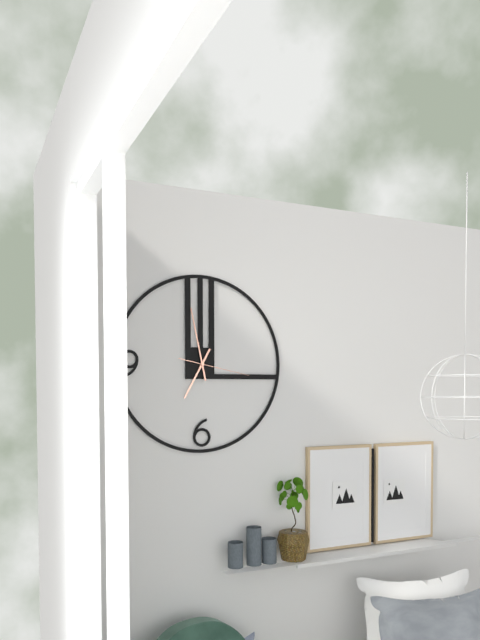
**6:58:17**
